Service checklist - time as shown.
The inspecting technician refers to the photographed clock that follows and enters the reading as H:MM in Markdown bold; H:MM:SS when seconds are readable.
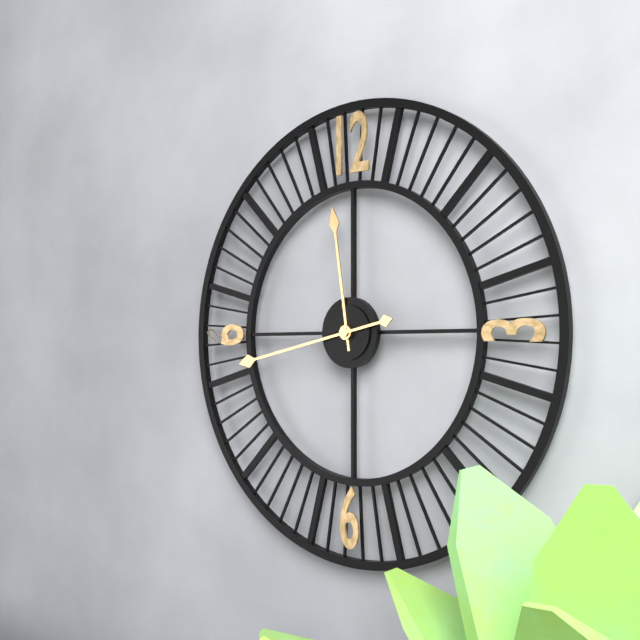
**11:43**
